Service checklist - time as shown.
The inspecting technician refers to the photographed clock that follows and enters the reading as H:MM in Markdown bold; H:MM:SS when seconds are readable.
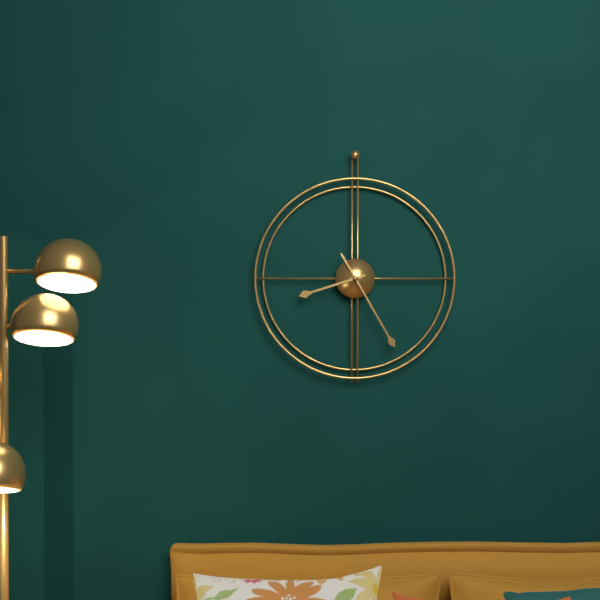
**8:25**
